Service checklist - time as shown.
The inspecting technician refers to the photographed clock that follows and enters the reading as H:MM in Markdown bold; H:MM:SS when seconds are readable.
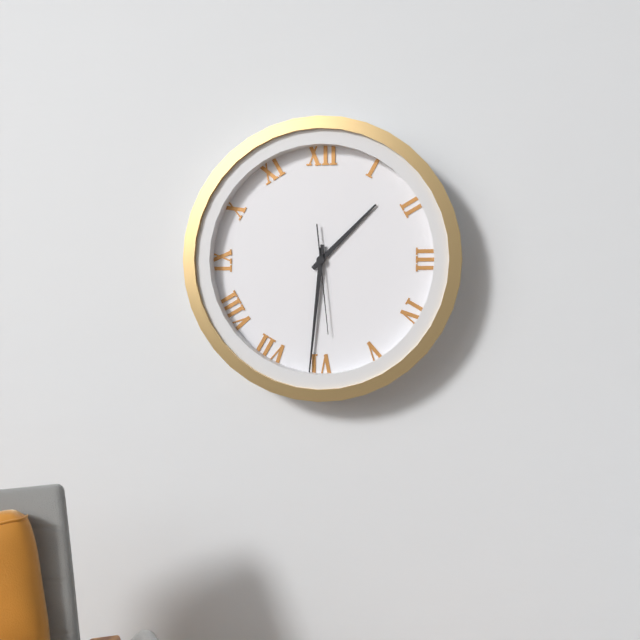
**1:31:29**
